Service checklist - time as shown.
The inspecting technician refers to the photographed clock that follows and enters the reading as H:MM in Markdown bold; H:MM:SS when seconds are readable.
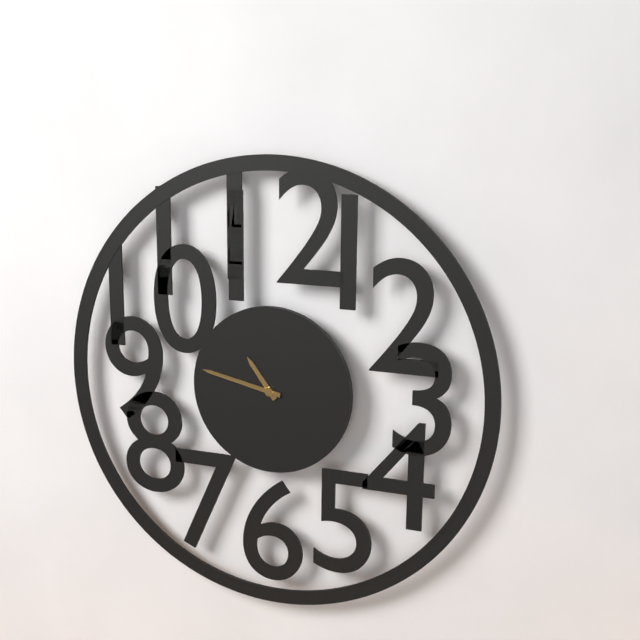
**10:47**
